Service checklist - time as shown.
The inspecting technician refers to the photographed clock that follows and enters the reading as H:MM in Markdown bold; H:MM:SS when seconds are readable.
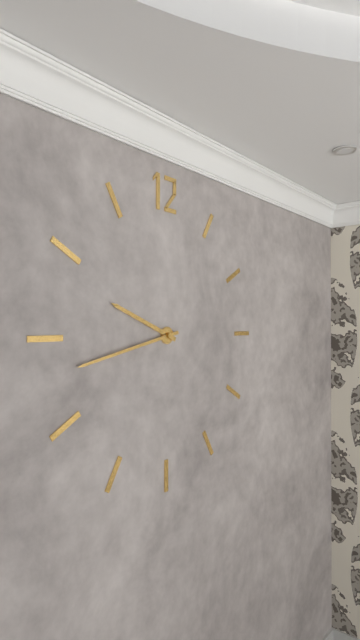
**9:43**
